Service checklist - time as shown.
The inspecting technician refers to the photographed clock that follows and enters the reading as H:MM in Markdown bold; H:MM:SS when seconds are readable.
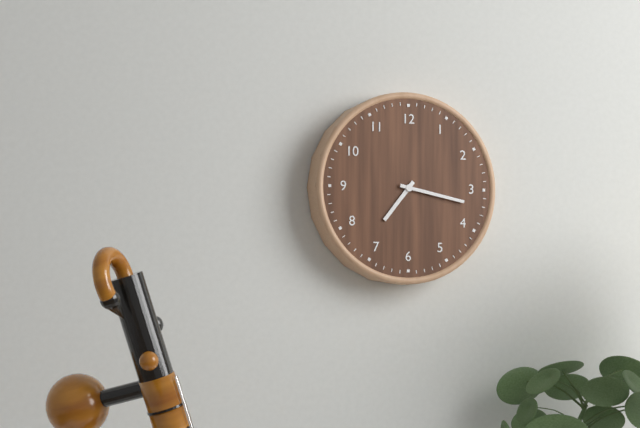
**7:17**
